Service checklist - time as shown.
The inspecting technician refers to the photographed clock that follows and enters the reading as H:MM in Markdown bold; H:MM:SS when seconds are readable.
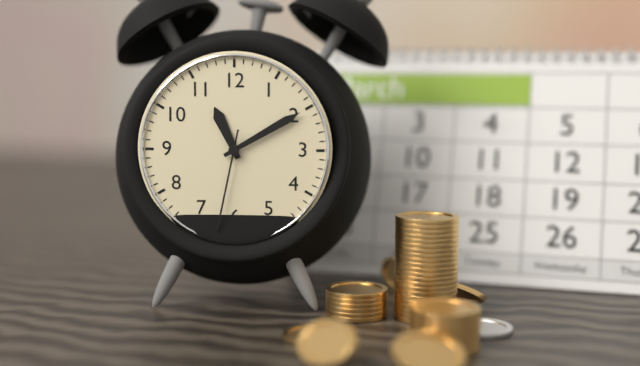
**11:10:32**
